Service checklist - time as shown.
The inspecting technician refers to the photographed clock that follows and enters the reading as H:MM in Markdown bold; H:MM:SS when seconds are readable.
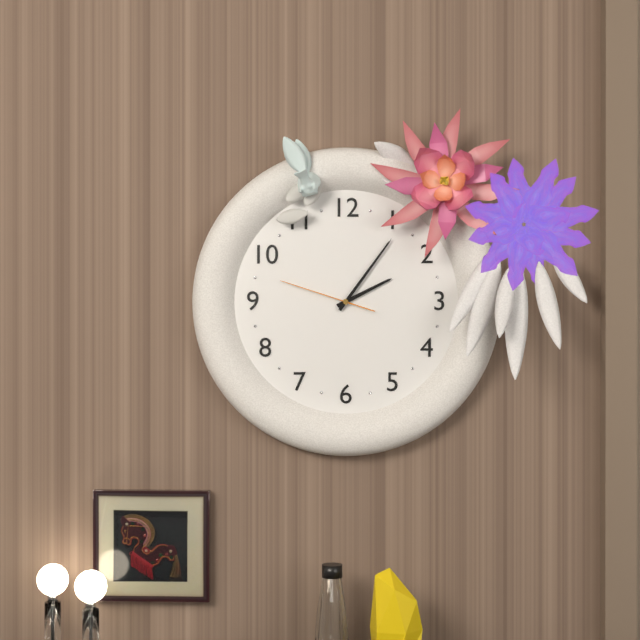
**2:06:48**
